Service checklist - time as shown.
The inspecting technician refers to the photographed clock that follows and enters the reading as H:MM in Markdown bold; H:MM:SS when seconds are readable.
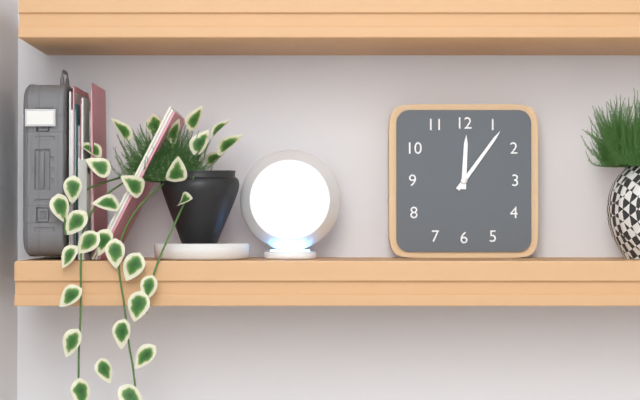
**12:06**
